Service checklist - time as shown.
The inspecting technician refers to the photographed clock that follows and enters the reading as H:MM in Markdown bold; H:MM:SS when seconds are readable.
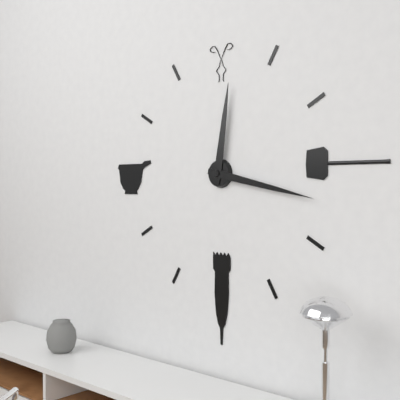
**12:17**
